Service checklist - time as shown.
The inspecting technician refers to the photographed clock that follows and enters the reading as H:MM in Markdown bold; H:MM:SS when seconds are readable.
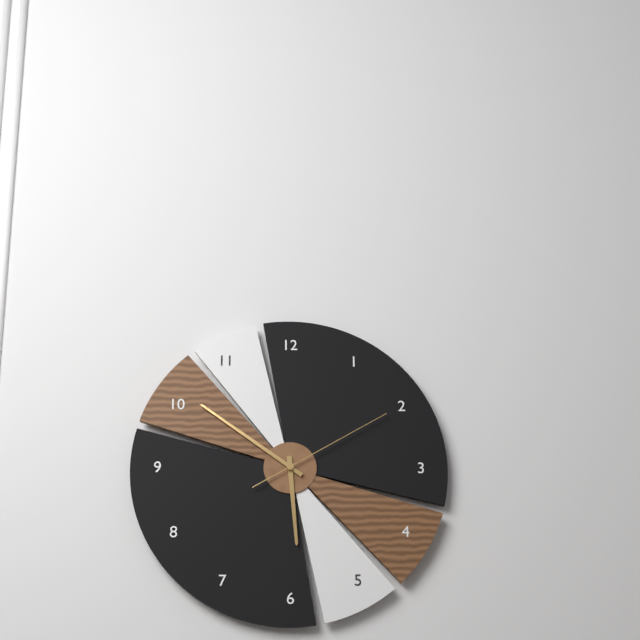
**5:51:10**
